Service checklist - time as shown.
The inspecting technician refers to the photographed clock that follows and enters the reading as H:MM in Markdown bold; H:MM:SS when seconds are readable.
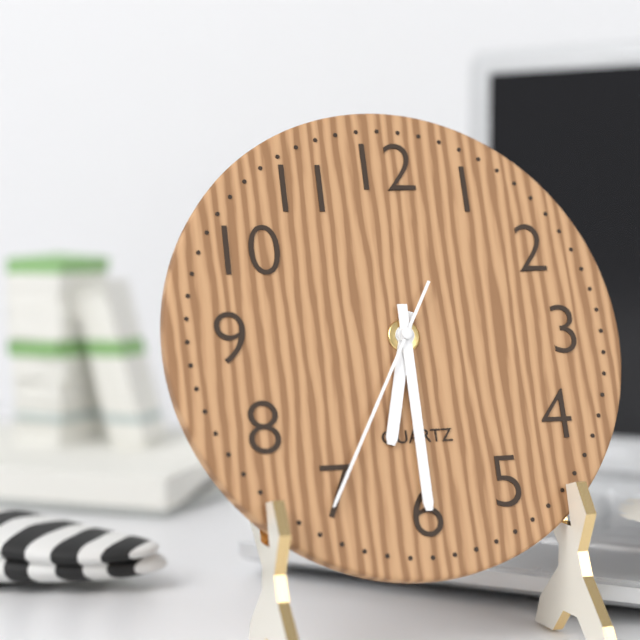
**6:30:35**
